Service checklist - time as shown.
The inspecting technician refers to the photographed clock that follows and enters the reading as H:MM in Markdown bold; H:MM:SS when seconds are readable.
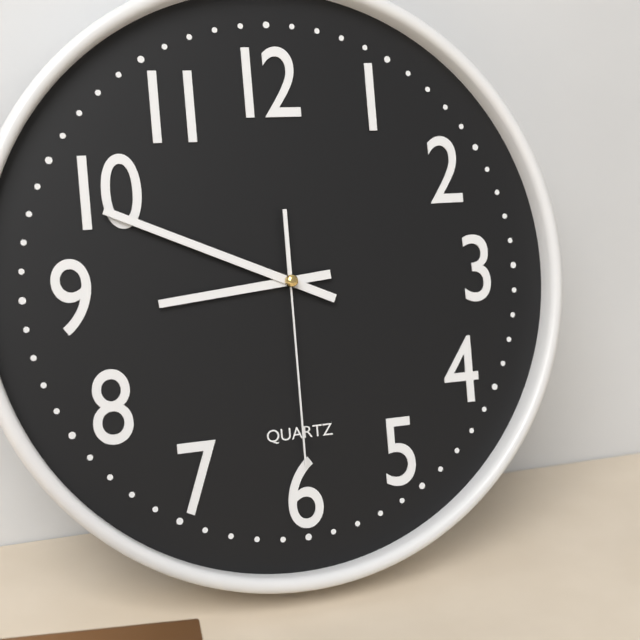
**8:49:30**
